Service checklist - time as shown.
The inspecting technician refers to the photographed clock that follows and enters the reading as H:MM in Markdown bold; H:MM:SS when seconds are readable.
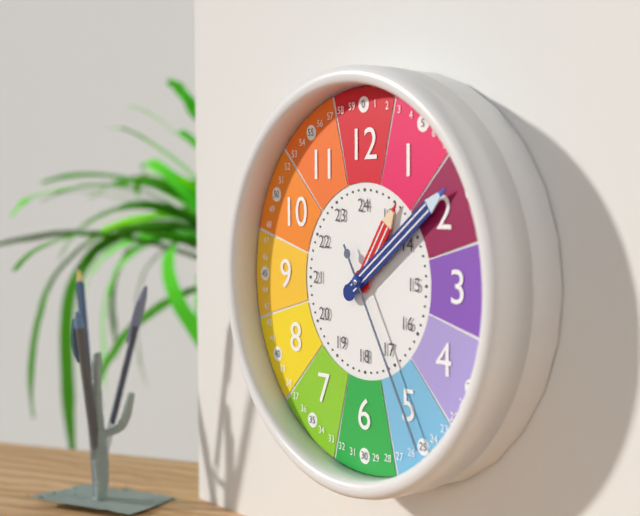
**1:09:25**
